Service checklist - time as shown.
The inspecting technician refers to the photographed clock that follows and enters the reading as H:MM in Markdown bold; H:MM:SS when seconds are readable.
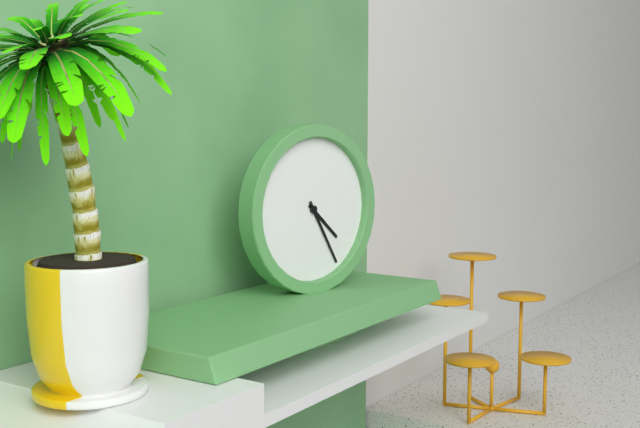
**4:25**
